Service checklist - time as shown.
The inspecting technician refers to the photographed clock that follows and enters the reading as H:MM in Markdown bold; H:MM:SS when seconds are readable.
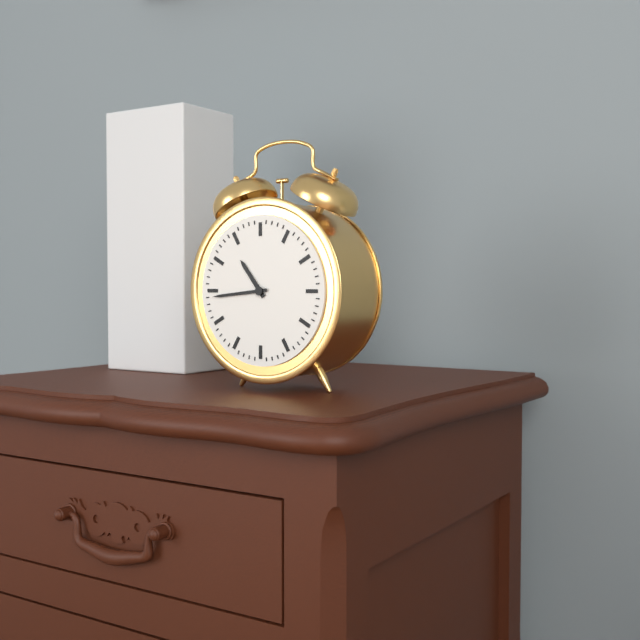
**10:44**
